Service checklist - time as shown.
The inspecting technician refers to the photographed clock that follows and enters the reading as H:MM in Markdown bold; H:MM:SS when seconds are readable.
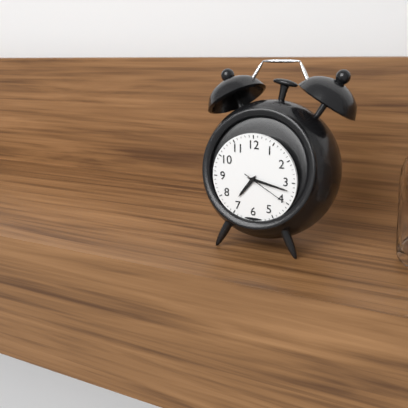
**7:17**
